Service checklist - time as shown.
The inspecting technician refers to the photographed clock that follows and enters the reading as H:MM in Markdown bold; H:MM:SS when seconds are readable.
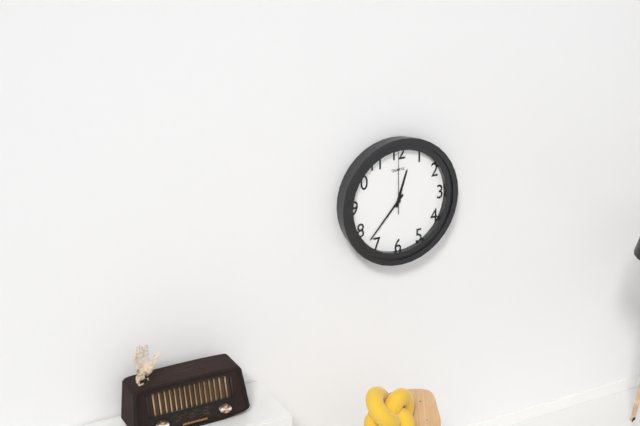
**12:37:00**
